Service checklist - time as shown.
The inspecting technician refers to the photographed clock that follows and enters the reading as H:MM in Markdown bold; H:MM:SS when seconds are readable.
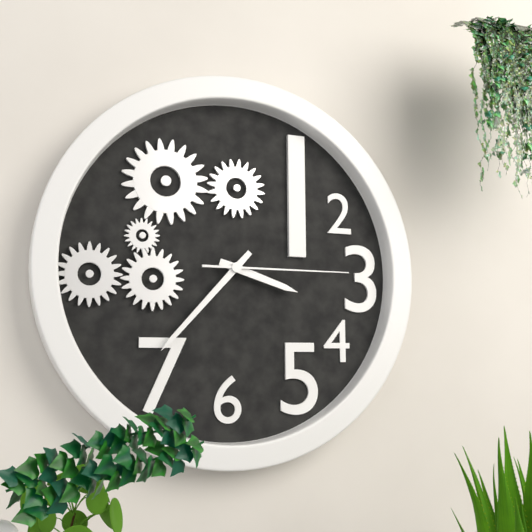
**3:37:15**
